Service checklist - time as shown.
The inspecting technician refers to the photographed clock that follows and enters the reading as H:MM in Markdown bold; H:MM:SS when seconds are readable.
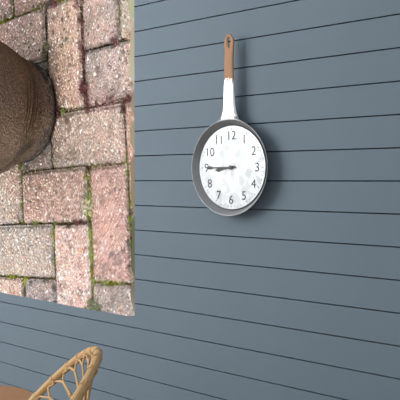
**8:45**
